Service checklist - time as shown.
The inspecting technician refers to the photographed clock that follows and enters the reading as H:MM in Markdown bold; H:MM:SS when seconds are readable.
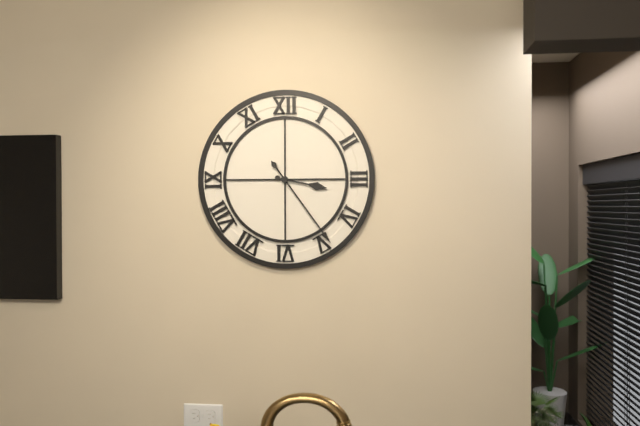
**3:24**
